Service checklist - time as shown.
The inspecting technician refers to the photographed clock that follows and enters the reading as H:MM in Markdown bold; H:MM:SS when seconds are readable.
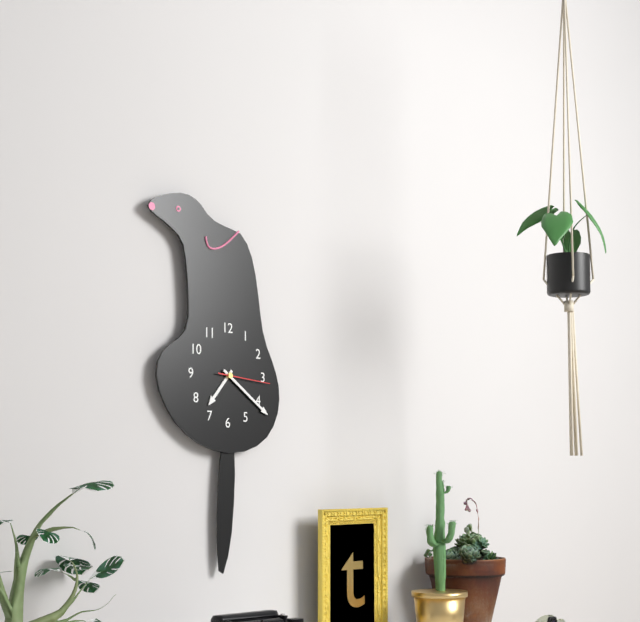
**7:21:16**
